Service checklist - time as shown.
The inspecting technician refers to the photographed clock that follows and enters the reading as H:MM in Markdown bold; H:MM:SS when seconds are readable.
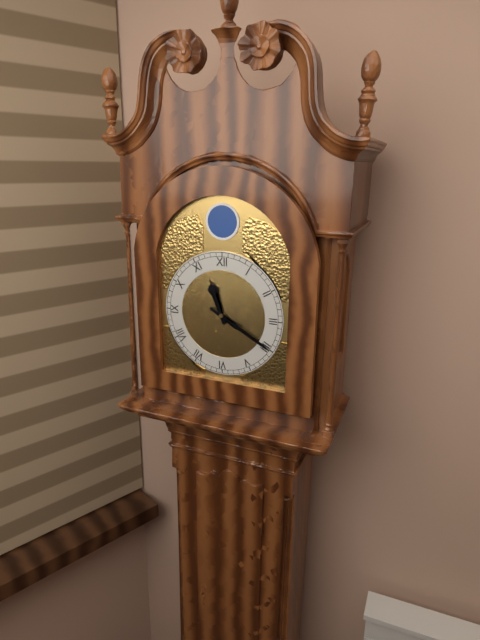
**11:20**
